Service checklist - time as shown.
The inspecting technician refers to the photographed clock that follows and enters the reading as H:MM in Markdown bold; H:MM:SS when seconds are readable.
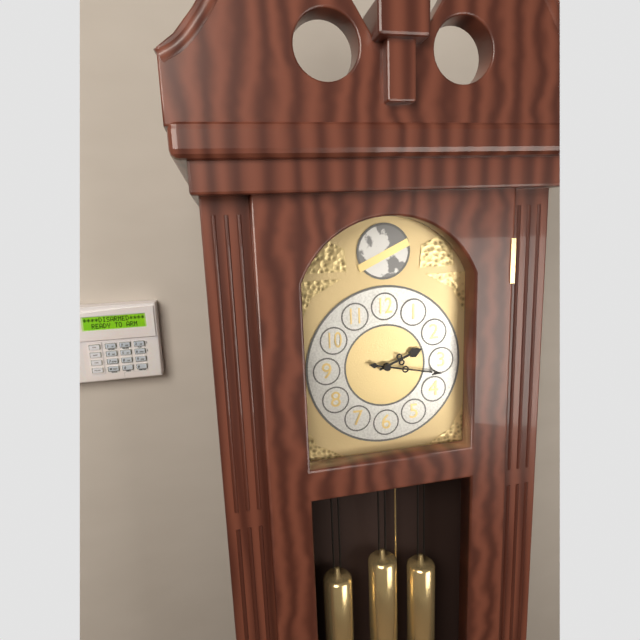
**2:17**
